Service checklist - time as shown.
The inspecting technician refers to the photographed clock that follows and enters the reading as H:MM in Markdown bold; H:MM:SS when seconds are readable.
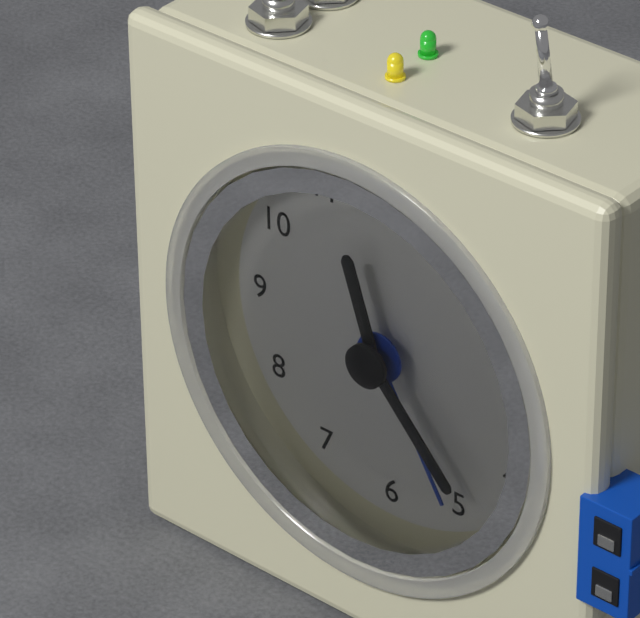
**11:23:25**
